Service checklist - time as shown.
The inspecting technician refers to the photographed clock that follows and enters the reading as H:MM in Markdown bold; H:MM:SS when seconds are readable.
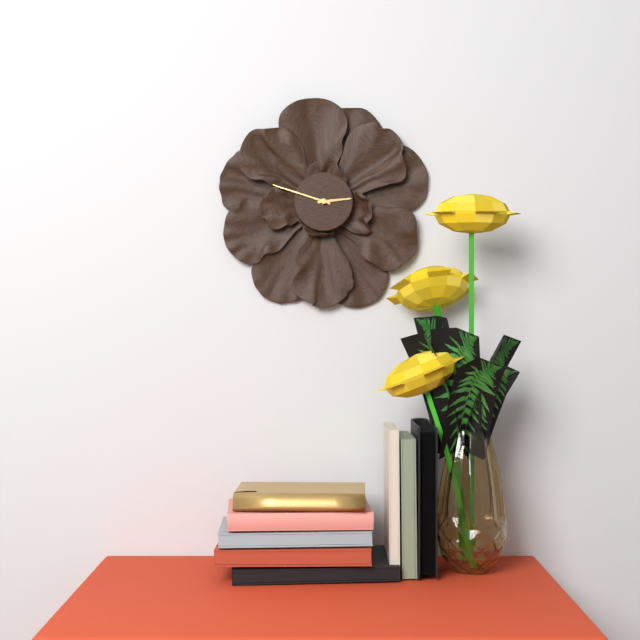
**2:48**
